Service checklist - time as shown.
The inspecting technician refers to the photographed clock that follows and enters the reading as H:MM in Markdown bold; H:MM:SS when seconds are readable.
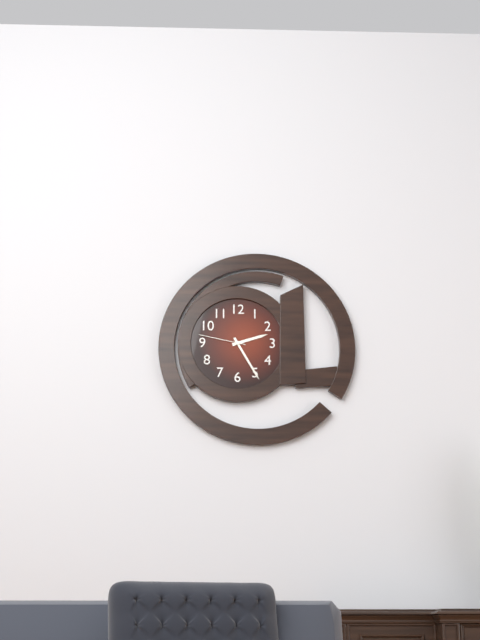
**2:25**
